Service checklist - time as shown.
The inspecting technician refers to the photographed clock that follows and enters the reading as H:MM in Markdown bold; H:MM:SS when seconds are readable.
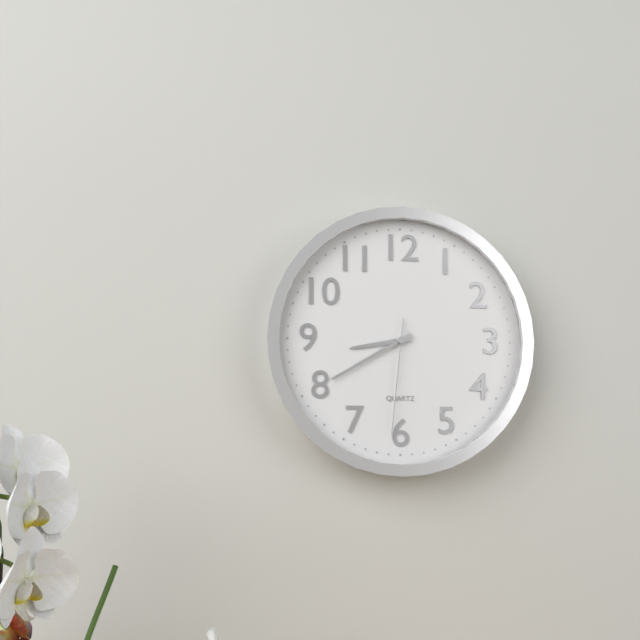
**8:40:31**
